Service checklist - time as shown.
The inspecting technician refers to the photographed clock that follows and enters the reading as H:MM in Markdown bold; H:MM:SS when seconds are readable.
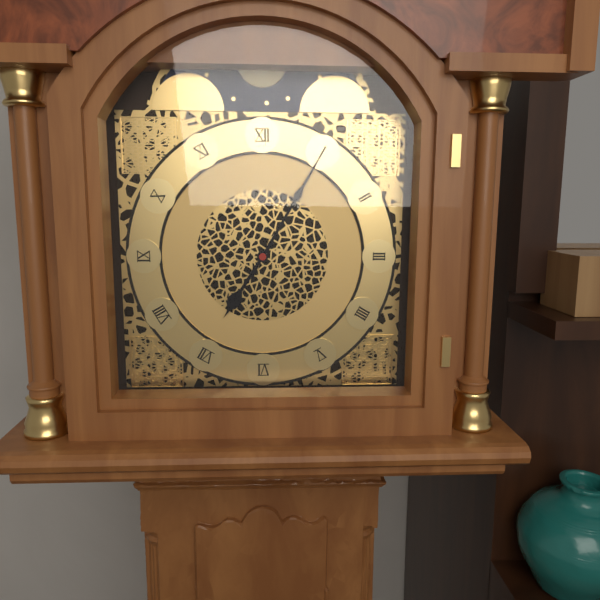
**7:05**
